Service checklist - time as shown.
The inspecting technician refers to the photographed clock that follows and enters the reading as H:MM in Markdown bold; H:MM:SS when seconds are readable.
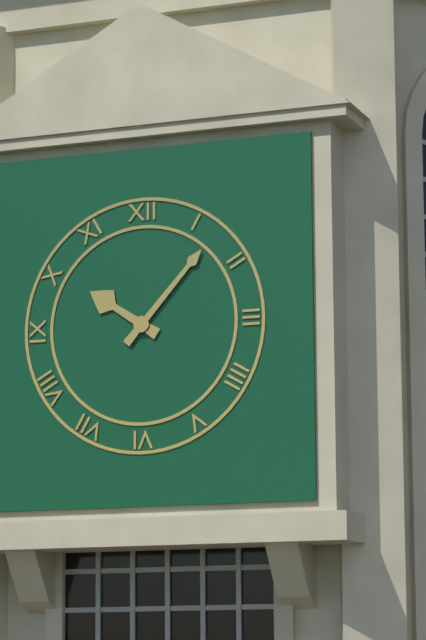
**10:07**
